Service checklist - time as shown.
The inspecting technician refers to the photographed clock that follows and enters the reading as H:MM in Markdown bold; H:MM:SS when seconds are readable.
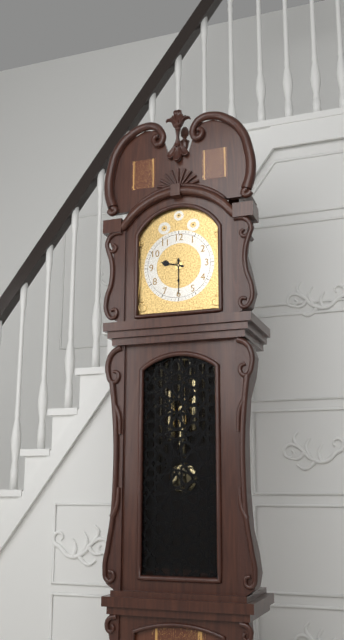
**9:30**
